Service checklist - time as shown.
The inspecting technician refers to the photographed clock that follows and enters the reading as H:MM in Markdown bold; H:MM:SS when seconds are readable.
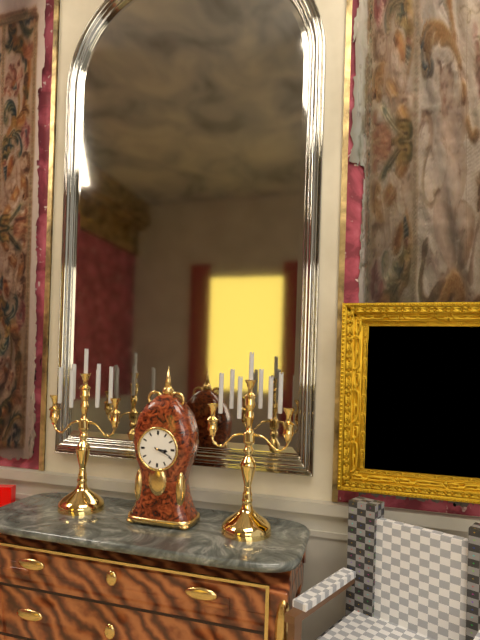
**3:19**
